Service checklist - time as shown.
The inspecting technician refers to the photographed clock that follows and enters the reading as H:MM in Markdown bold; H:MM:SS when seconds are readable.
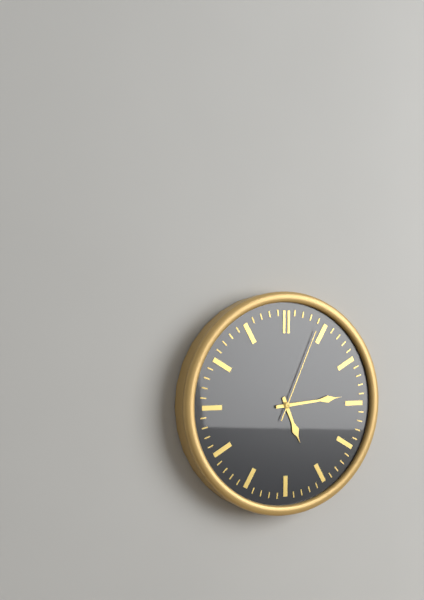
**5:14:04**
